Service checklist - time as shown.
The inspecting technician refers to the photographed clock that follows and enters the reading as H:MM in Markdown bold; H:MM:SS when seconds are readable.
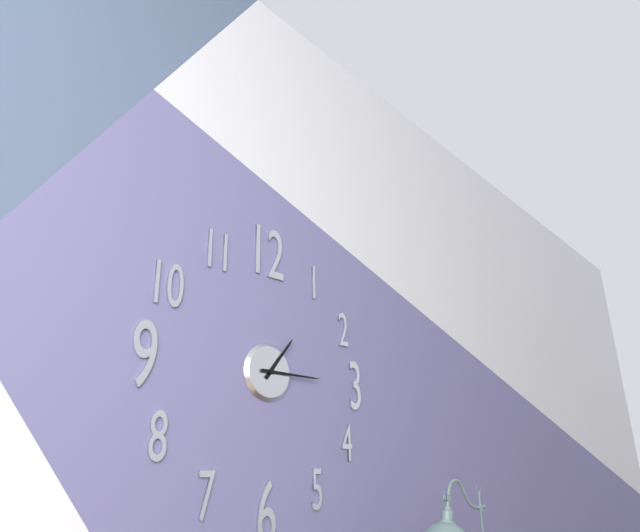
**1:15**
